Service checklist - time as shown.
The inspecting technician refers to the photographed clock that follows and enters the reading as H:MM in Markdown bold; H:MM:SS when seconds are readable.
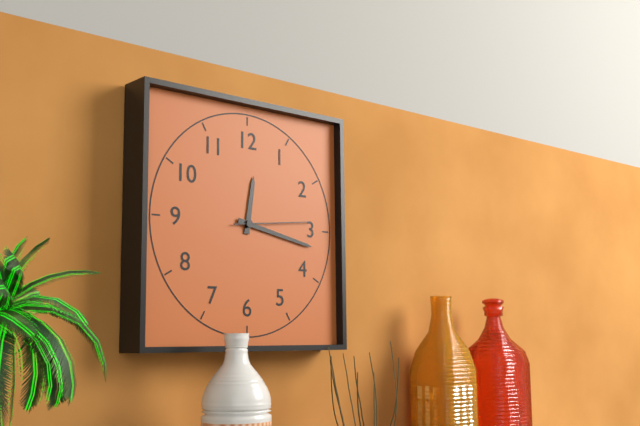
**12:17:14**
